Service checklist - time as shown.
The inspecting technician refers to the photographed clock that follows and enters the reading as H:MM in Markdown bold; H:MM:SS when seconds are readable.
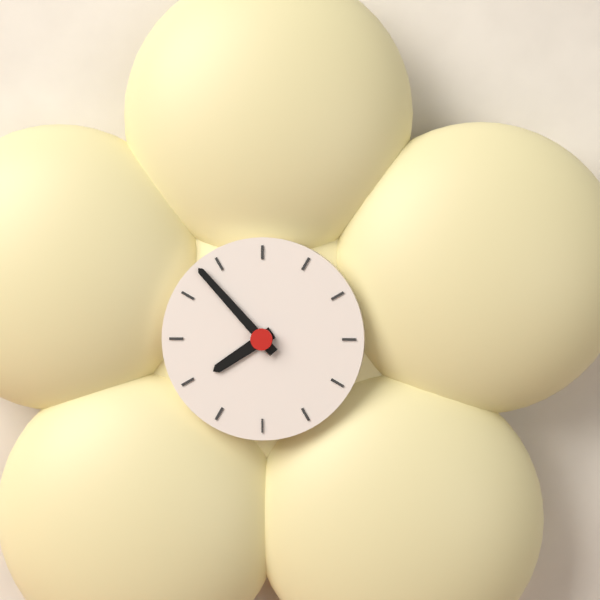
**7:53**
